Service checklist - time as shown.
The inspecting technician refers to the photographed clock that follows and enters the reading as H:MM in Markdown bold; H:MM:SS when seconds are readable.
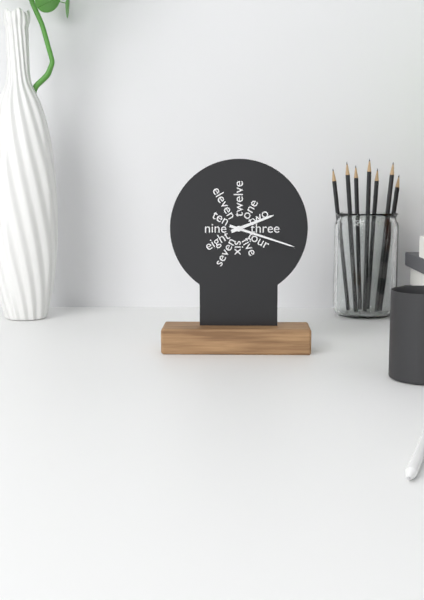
**2:18**
